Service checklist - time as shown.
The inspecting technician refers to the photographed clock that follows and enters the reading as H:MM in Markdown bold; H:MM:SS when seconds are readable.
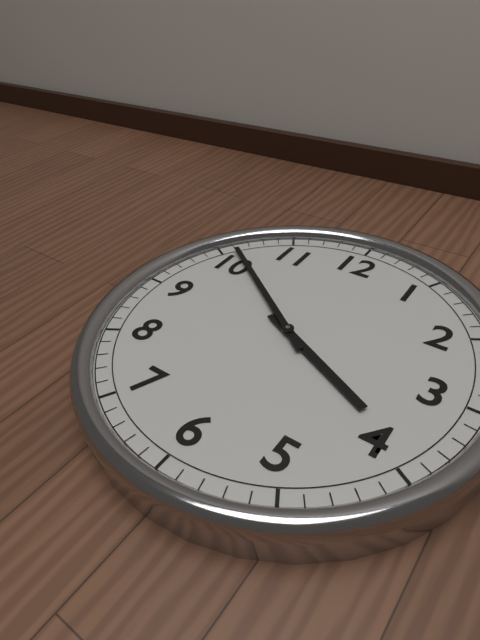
**3:51**
